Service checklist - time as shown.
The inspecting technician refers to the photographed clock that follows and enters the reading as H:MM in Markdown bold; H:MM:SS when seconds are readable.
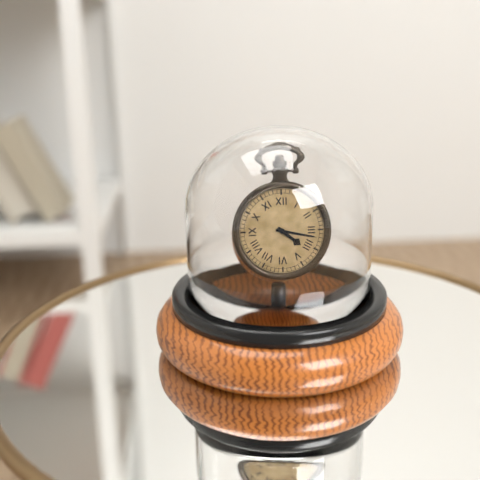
**4:17**
